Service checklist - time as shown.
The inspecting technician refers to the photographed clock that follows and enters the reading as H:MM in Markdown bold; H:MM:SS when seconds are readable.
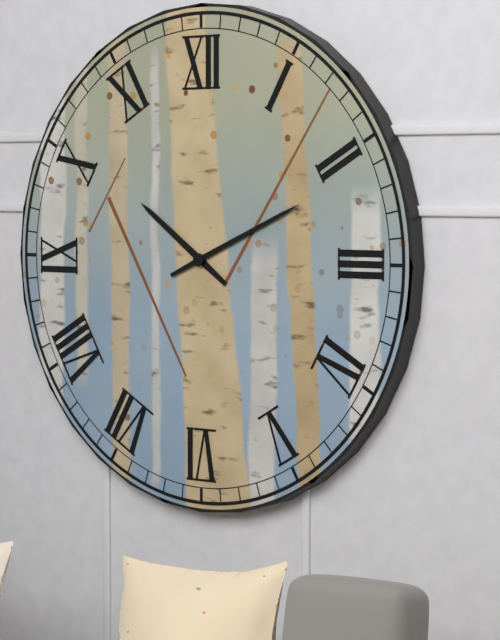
**10:11**
